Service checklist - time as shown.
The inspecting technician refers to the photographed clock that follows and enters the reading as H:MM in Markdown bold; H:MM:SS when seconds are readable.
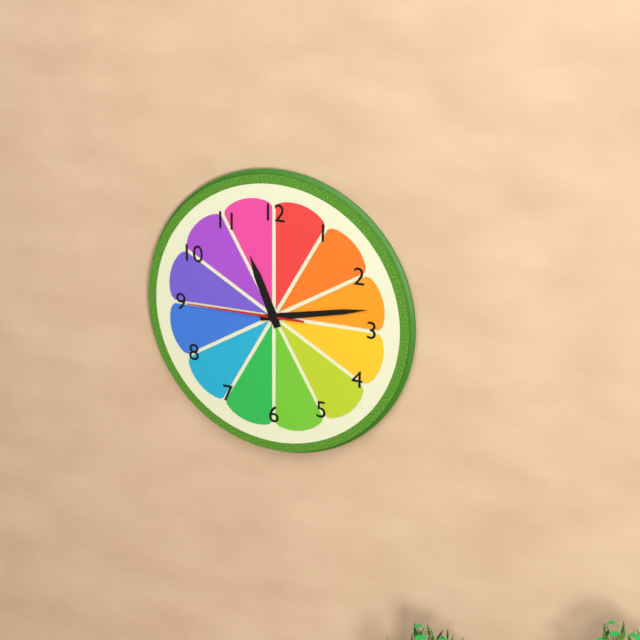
**11:13:45**
